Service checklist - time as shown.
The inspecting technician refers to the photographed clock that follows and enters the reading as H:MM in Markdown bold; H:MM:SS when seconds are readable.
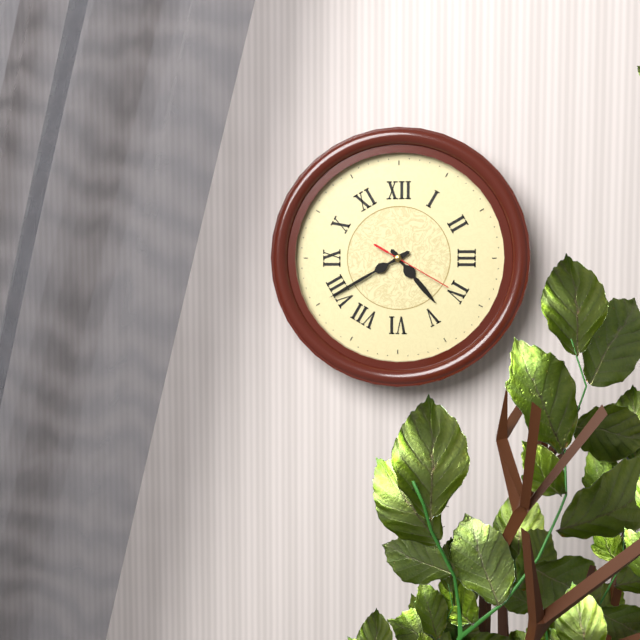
**4:40:20**
